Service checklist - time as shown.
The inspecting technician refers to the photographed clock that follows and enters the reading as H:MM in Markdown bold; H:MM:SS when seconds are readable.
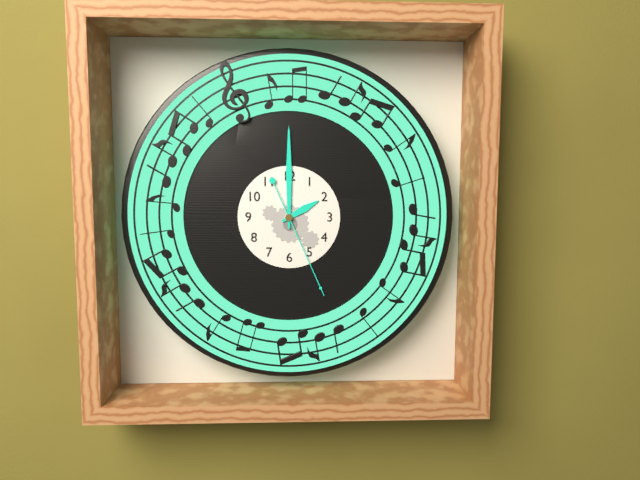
**2:00:26**
